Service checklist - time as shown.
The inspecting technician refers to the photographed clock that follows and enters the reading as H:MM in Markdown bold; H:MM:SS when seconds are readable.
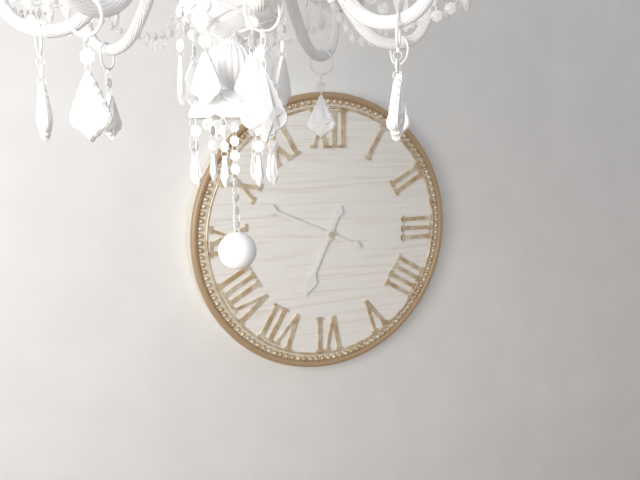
**6:49**
